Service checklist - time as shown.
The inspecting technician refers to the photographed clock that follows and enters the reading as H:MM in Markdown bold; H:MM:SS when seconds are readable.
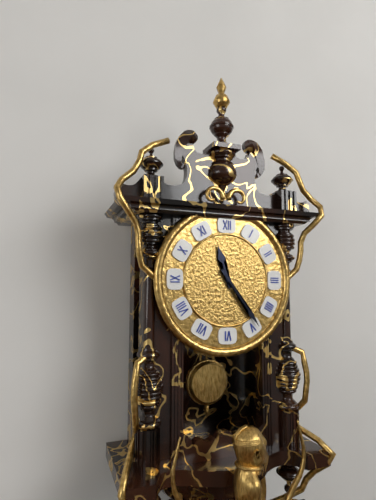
**11:24**
